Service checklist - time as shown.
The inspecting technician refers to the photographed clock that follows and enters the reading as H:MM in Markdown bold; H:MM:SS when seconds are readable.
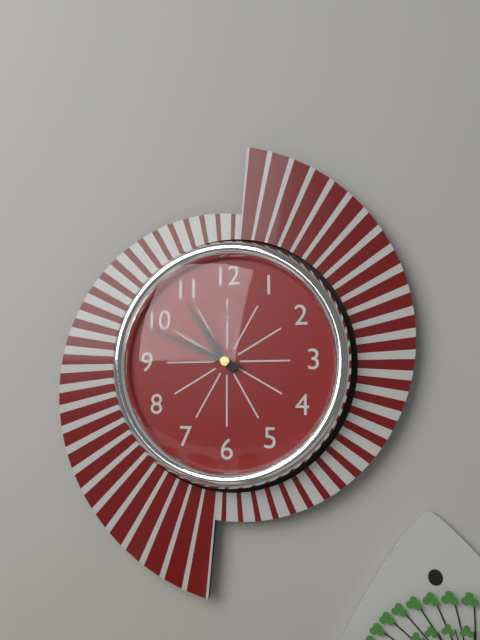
**10:49**
